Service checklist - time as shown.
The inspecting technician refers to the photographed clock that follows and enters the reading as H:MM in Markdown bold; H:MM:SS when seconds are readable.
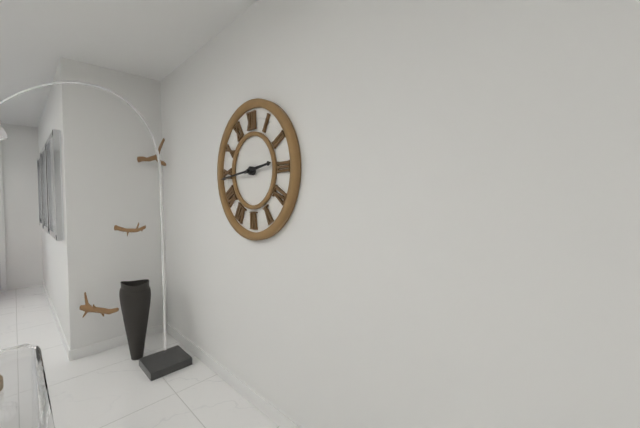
**2:44**
